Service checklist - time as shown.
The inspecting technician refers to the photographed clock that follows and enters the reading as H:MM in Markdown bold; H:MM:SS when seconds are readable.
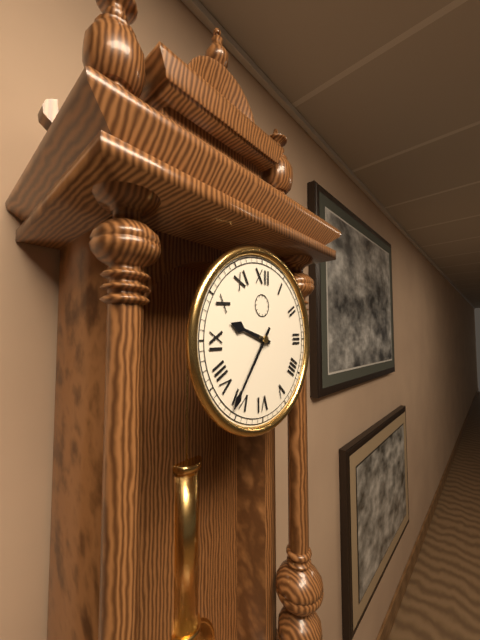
**9:36**
